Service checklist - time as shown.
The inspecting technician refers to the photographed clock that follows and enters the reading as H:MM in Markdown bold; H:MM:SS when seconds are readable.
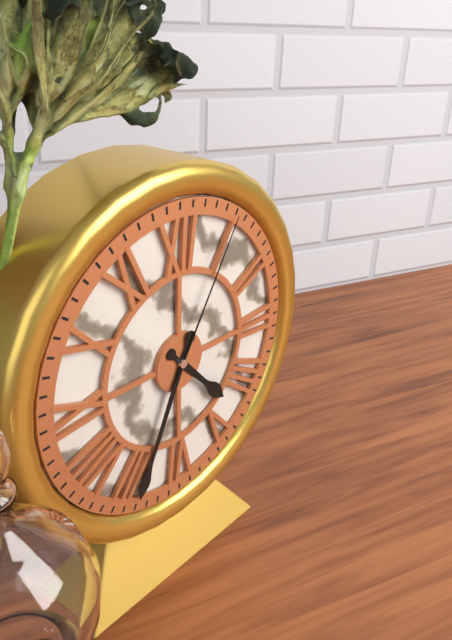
**4:34:05**
